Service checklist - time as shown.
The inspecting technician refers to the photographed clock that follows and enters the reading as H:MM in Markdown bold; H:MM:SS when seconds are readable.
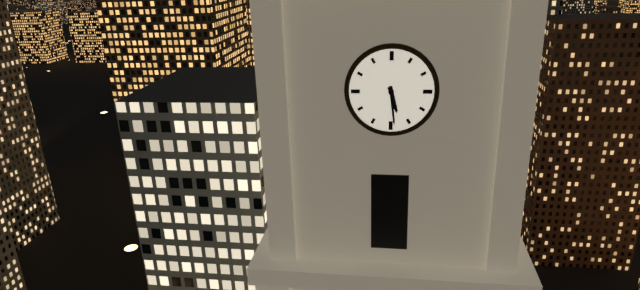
**5:29**
